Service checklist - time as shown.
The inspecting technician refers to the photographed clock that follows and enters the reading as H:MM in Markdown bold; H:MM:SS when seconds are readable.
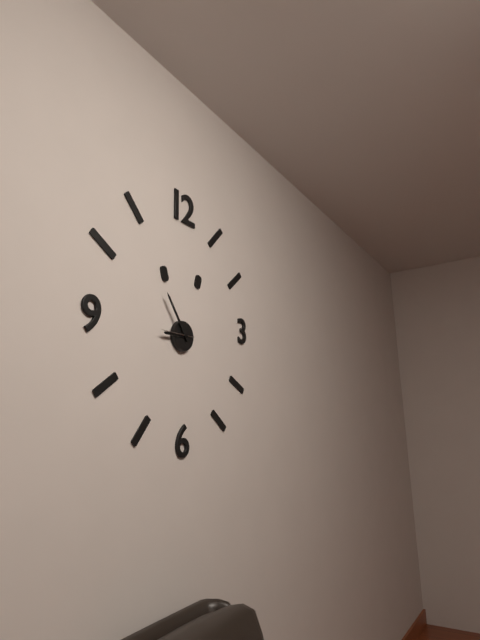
**8:54**
